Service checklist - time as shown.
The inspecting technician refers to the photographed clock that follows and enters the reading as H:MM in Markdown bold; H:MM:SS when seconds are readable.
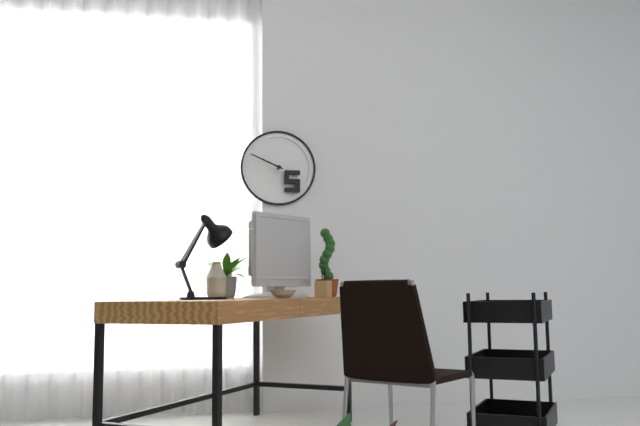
**9:49**
